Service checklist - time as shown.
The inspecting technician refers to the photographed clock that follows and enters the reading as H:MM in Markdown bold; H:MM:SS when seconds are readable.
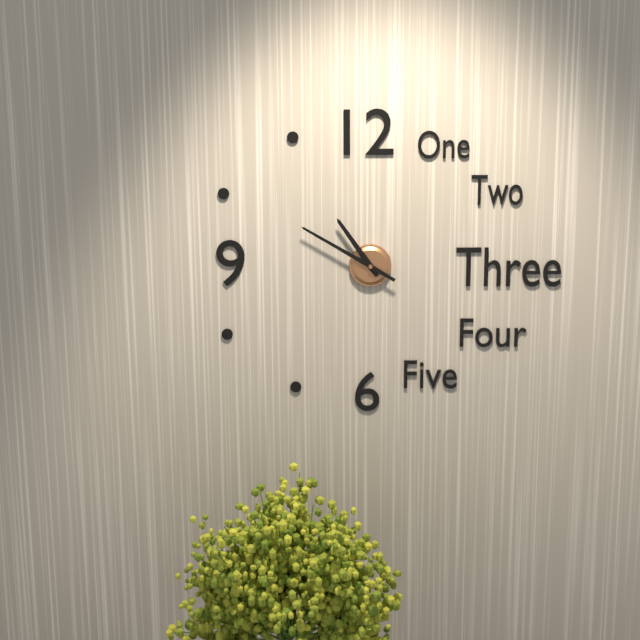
**10:50**
